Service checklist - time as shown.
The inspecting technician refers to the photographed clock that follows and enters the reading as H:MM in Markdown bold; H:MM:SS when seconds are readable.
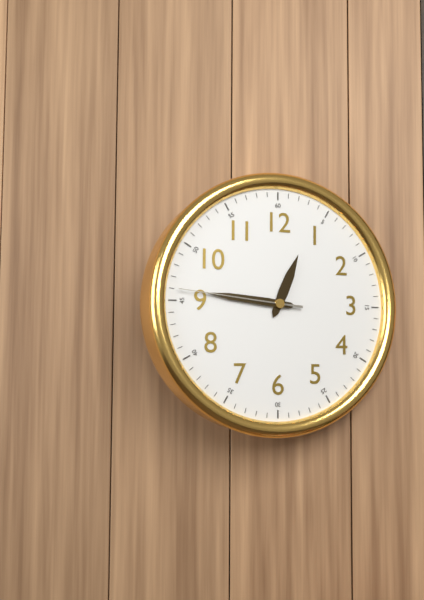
**12:46:46**
